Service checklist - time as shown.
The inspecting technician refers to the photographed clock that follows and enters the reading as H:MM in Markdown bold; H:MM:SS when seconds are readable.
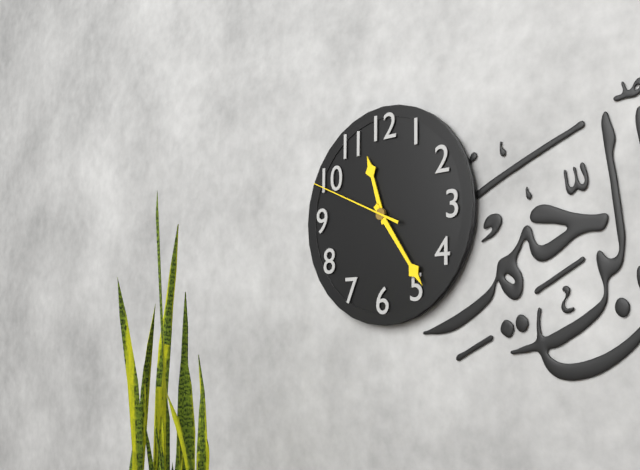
**11:24:49**
